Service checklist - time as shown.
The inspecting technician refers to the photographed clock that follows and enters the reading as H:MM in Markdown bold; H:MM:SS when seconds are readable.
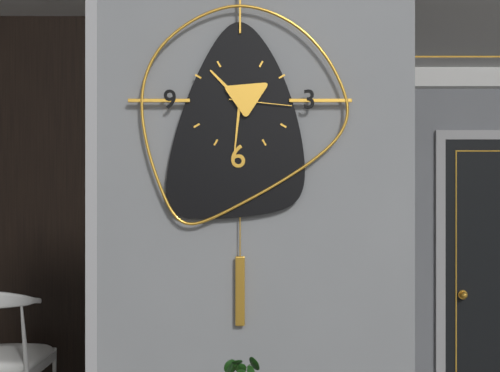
**10:31:16**
